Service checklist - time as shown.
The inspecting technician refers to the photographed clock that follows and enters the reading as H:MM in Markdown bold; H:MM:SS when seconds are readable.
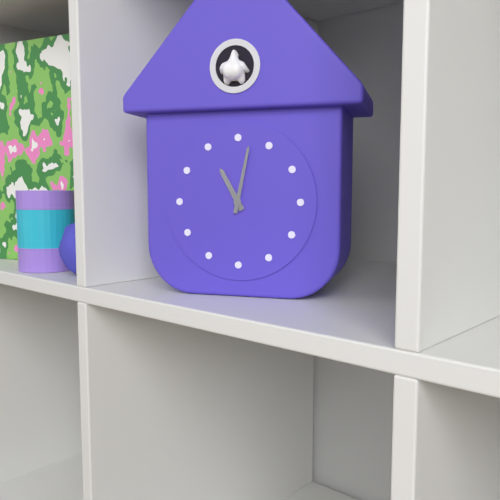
**11:02**
